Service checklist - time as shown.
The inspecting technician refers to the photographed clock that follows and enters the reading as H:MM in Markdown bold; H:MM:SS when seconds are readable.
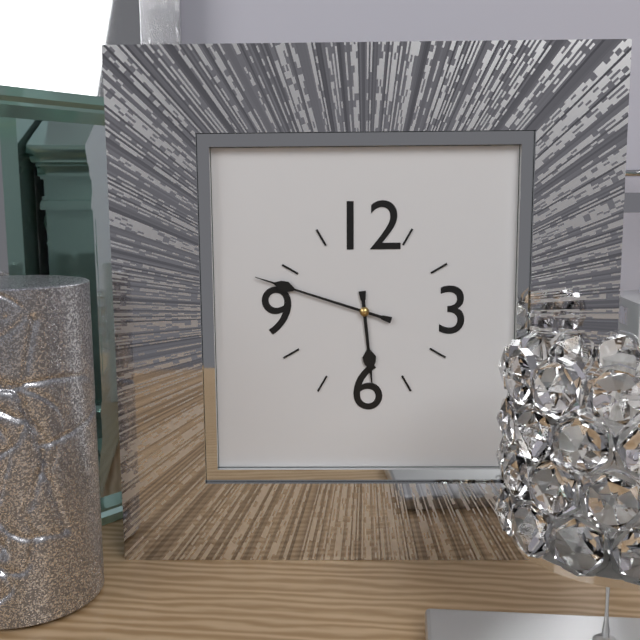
**5:48**
